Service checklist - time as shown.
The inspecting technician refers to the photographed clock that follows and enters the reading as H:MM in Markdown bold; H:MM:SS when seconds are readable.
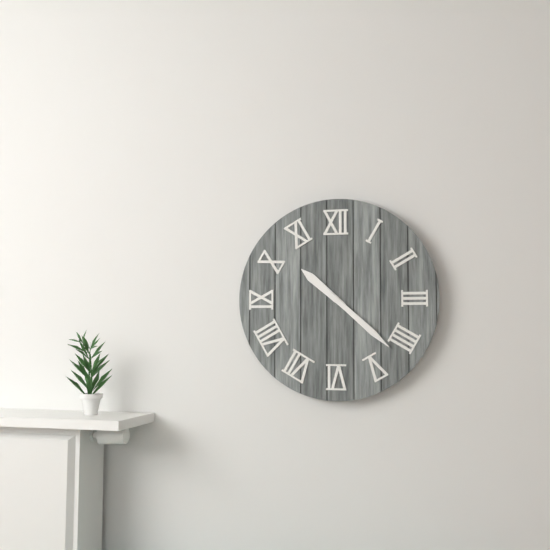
**10:22**
